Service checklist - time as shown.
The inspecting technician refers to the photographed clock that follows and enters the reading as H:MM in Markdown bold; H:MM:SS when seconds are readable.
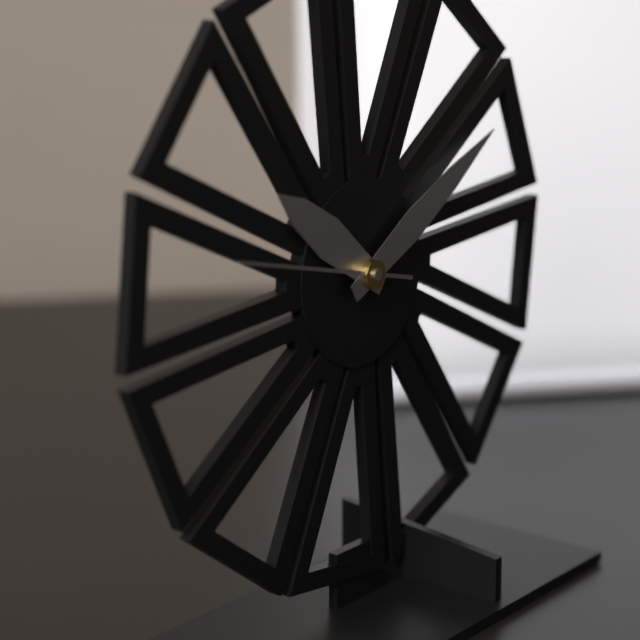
**10:10:47**
